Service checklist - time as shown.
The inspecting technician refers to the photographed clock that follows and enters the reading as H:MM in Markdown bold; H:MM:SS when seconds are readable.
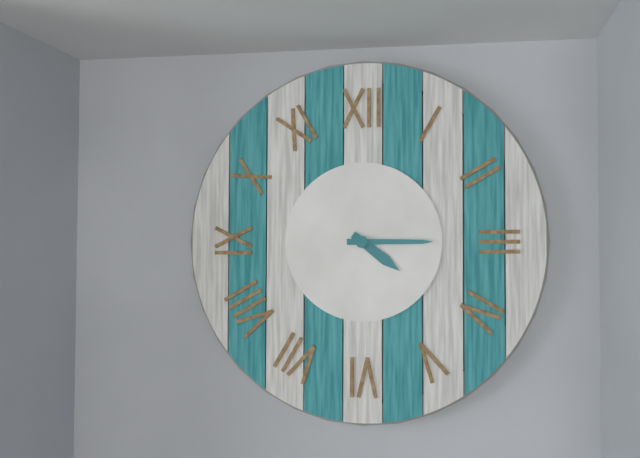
**4:15**
